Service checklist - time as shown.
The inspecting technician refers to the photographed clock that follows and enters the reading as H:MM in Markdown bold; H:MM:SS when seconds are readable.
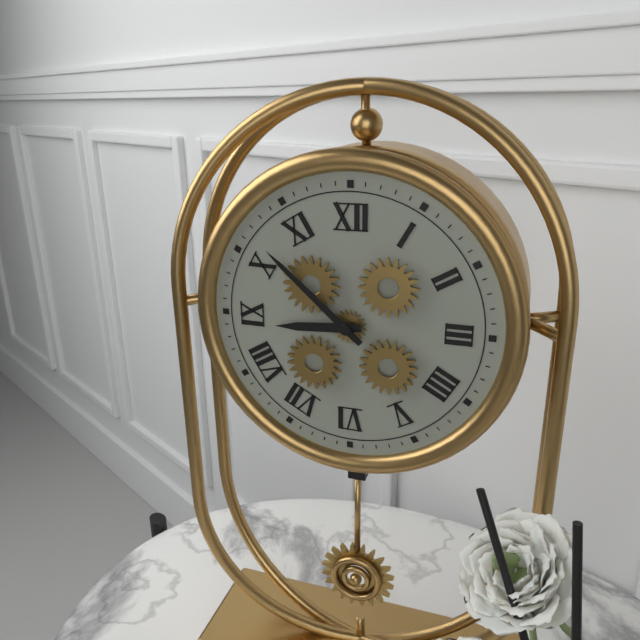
**8:52**
